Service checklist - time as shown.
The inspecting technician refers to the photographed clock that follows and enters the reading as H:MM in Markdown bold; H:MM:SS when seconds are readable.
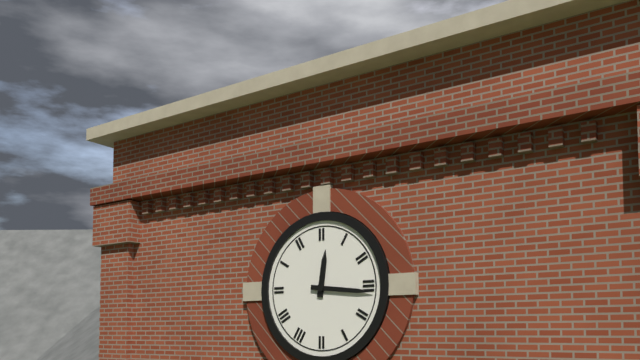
**12:16**
